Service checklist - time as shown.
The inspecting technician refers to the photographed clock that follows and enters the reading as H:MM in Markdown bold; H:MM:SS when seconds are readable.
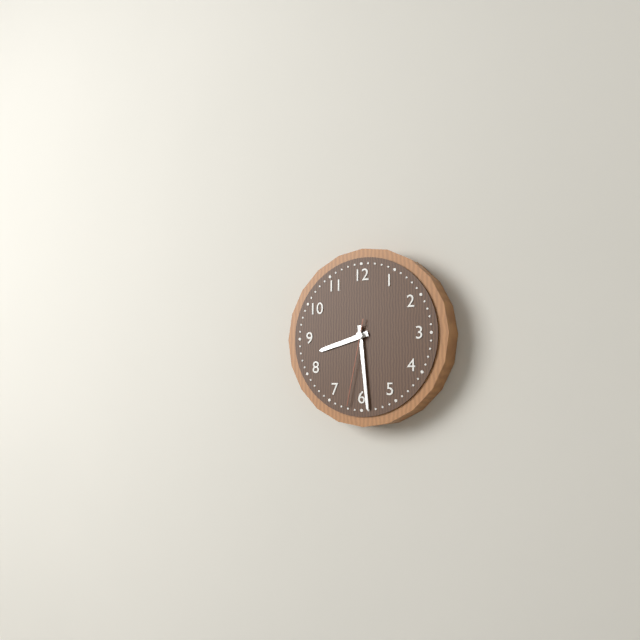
**8:29:32**
